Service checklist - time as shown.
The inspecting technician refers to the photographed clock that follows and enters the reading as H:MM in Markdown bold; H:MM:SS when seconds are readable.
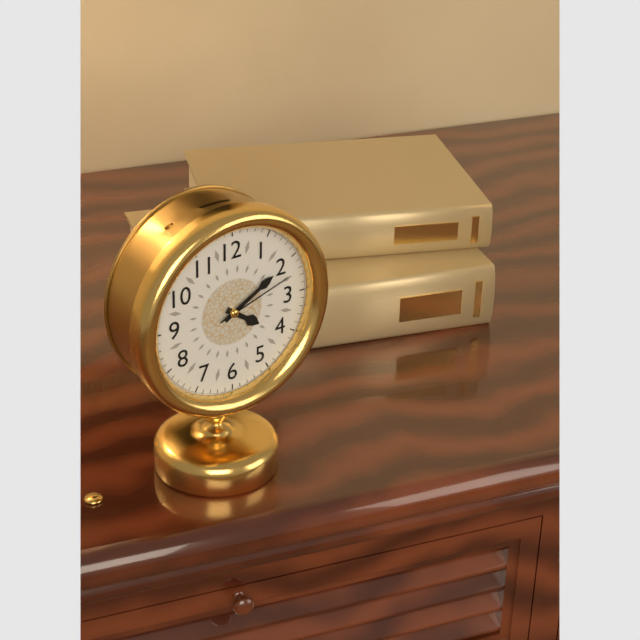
**4:10:12**
